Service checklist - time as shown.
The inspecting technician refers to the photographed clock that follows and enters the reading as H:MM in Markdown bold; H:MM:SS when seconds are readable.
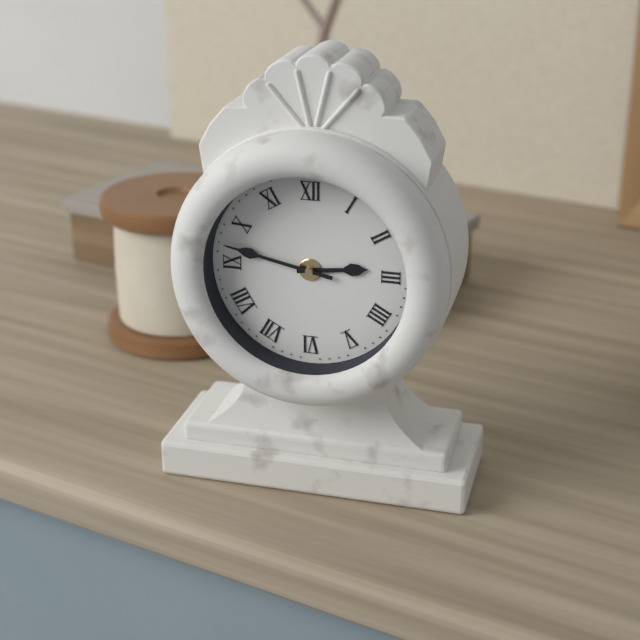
**2:47**
